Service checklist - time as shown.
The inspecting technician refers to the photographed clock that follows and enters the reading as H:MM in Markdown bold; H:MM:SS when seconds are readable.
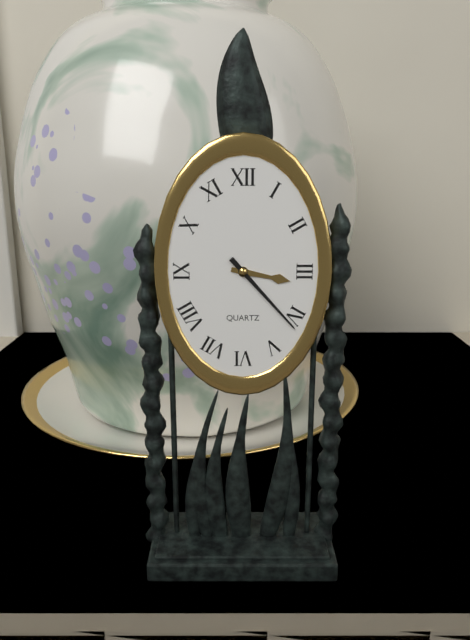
**3:23**
